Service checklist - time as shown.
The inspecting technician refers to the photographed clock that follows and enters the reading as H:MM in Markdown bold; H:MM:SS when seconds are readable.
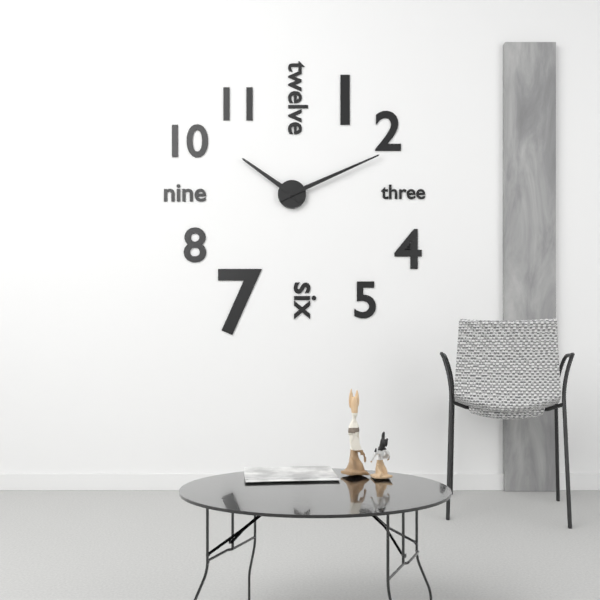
**10:11**
